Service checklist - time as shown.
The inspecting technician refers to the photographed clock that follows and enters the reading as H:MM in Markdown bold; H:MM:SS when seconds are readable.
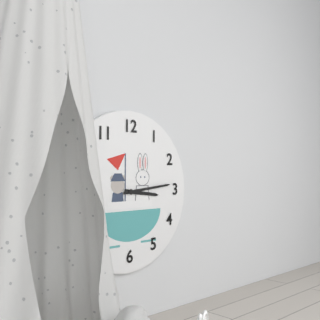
**3:14**
